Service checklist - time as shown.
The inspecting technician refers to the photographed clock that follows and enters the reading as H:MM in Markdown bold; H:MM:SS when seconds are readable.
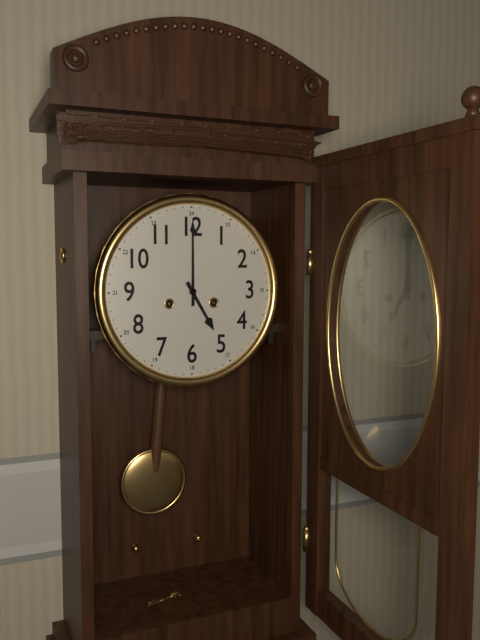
**5:00**
